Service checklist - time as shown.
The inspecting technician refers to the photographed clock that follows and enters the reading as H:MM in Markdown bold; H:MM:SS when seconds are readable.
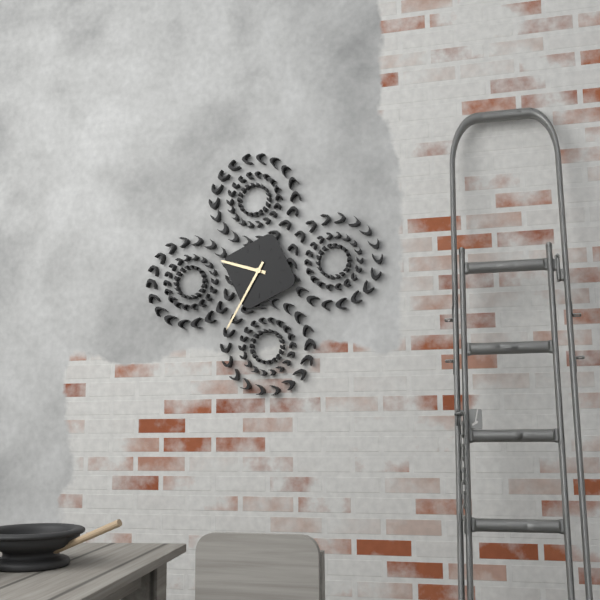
**9:35**
